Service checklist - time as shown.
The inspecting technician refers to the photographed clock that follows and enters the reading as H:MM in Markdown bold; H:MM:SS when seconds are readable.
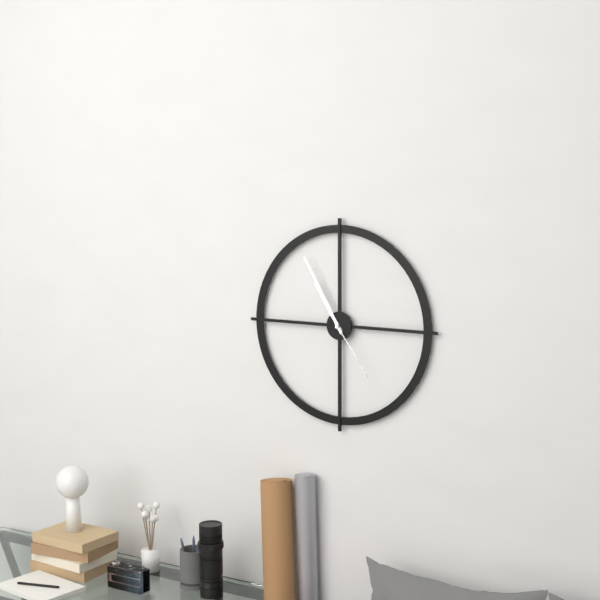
**10:55:24**
